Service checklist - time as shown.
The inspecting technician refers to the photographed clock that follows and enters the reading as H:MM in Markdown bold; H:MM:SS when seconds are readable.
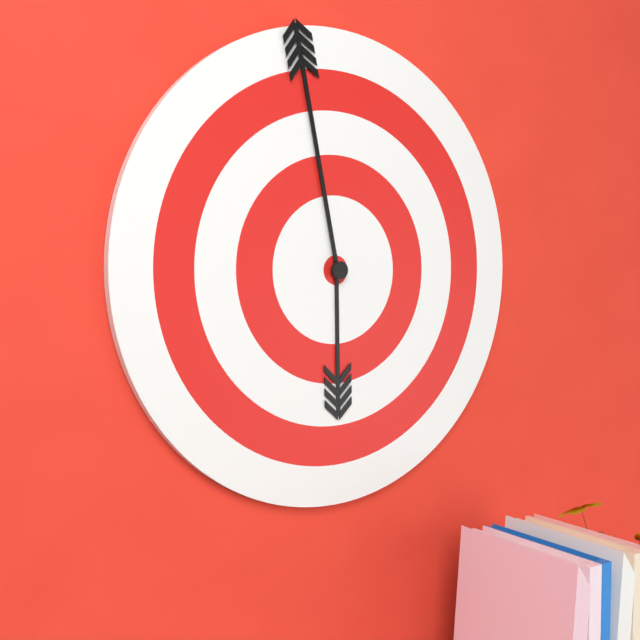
**5:58**
